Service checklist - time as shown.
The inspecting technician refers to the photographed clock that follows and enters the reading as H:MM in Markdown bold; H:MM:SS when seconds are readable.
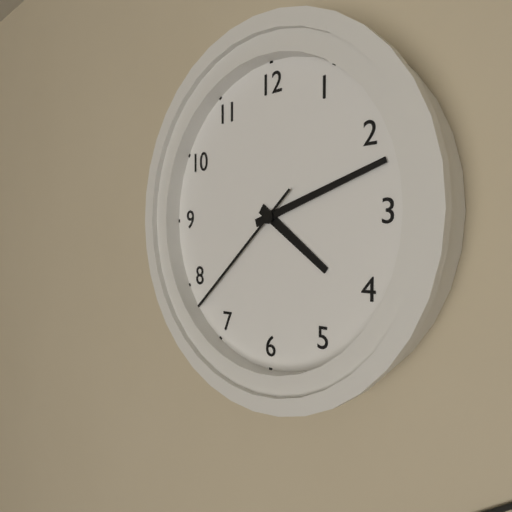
**4:12:38**
